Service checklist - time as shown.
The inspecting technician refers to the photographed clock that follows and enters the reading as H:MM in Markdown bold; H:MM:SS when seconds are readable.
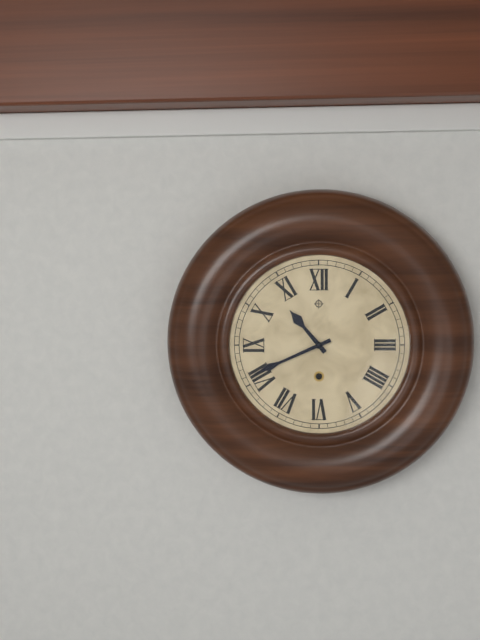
**10:41**
